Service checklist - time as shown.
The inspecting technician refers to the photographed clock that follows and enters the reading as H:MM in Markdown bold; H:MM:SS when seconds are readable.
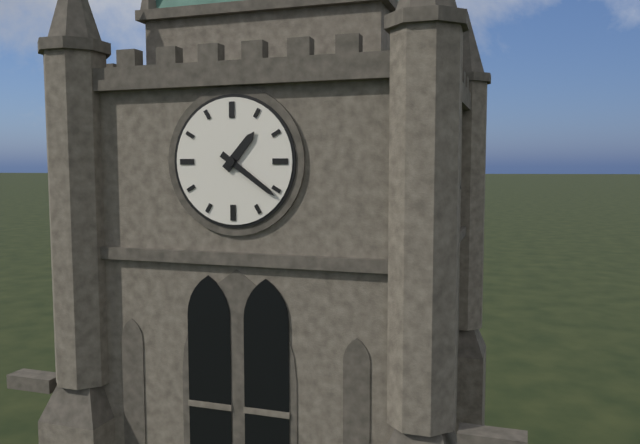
**1:21**
